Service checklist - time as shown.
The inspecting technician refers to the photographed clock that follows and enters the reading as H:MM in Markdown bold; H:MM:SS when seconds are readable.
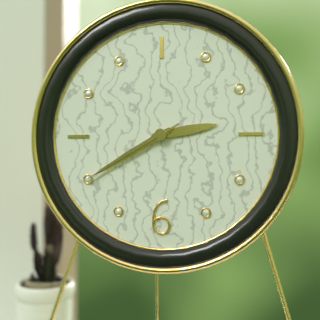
**2:40:40**
